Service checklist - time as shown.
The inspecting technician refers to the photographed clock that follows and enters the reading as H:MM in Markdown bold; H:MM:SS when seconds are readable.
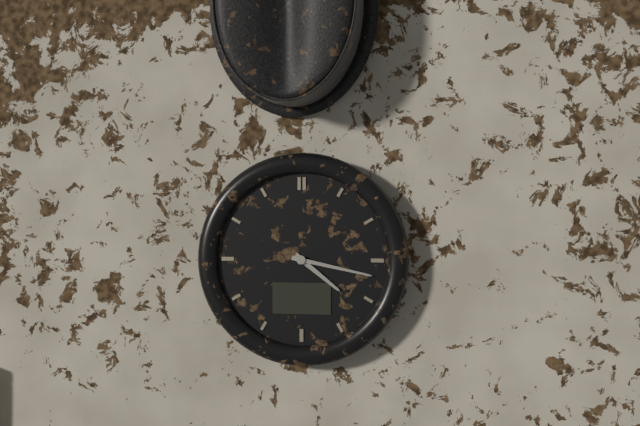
**4:17**
